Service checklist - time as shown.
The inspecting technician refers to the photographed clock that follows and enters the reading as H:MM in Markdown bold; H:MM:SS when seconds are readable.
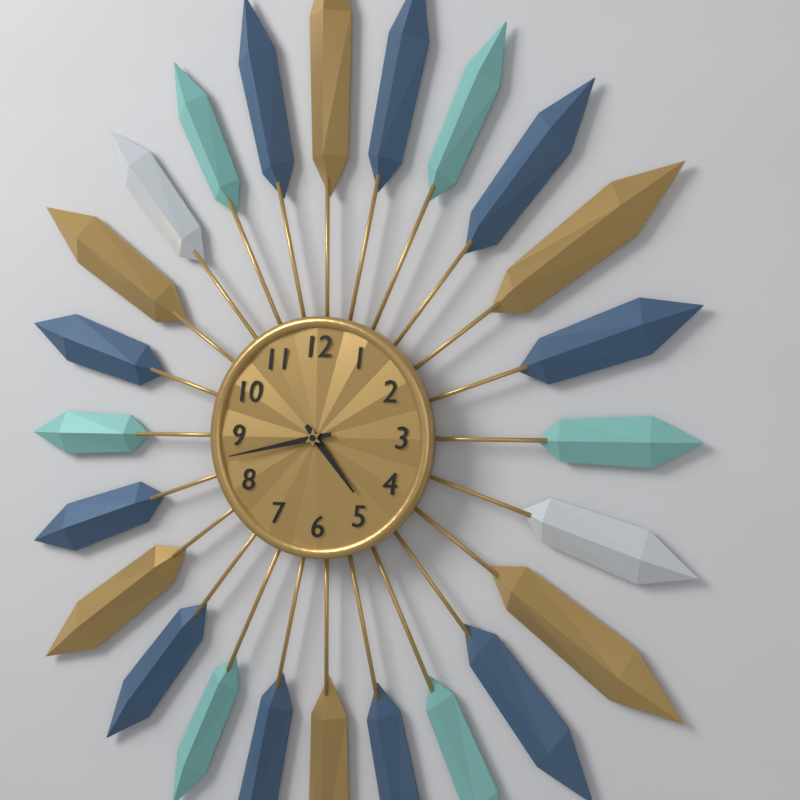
**4:43**
